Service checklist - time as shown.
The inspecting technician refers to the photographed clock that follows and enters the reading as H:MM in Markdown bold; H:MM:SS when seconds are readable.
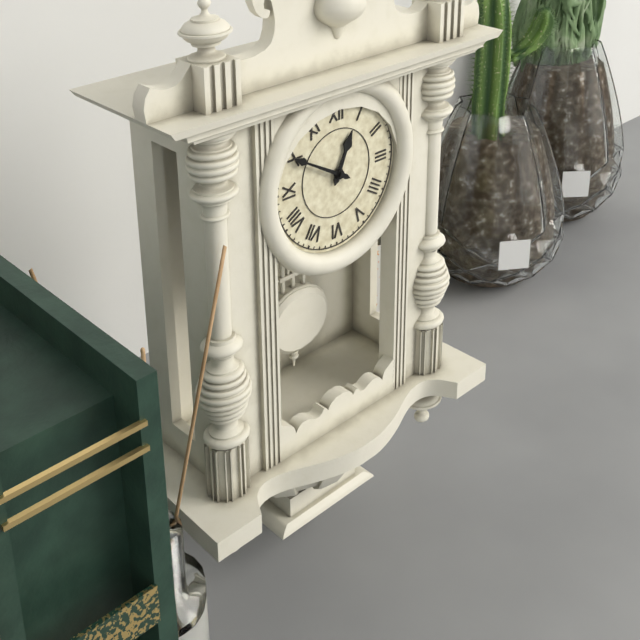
**12:50**
